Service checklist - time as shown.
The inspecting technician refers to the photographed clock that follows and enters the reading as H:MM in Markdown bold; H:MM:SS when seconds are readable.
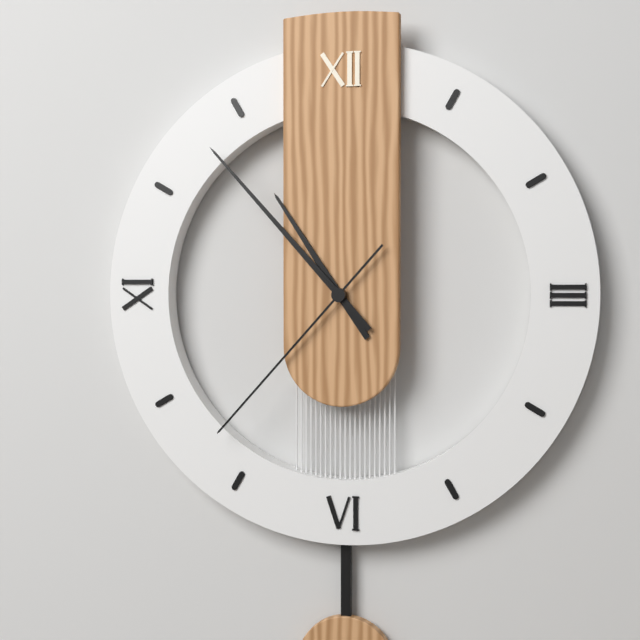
**10:53:37**
